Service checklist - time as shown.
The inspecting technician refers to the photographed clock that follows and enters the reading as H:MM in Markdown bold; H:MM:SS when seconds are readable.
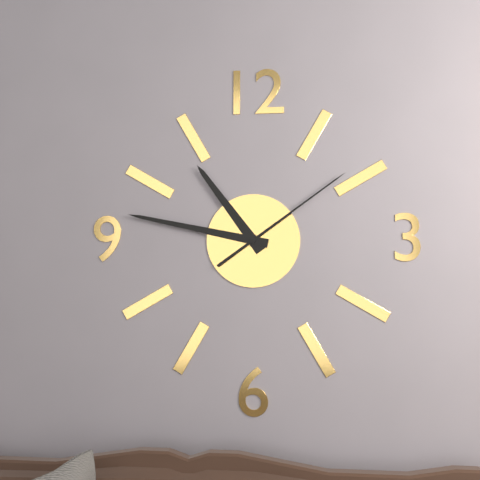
**10:47:09**
